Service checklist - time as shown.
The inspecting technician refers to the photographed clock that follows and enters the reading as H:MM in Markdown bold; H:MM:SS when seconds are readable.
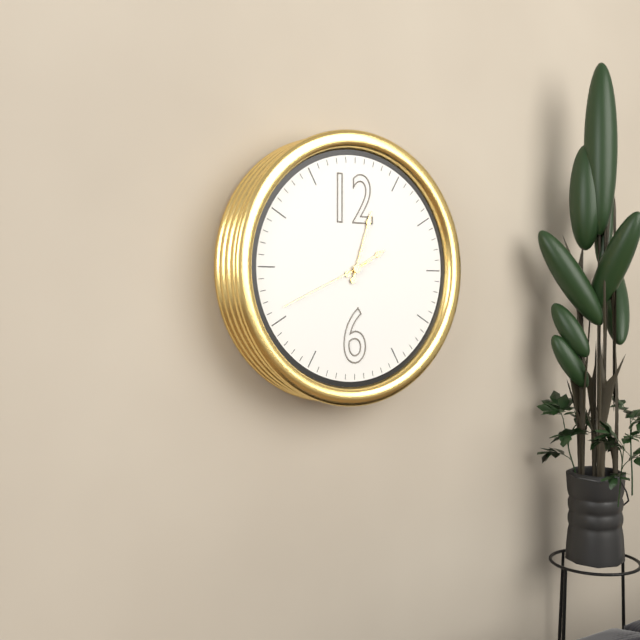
**2:03:41**
